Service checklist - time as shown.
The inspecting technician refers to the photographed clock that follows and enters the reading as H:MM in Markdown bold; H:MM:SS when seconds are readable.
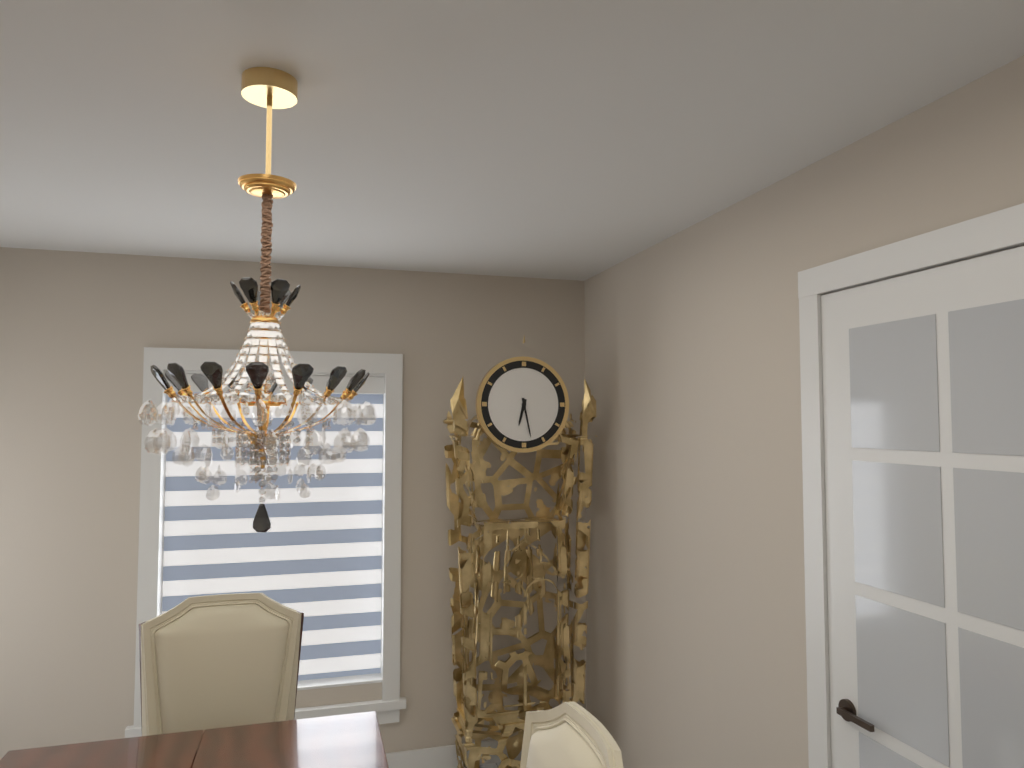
**6:28**
